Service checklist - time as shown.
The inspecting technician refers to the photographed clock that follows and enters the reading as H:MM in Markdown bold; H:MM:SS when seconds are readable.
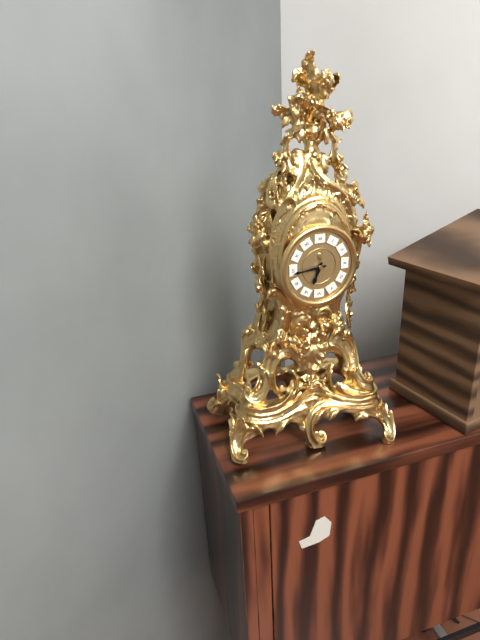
**6:44**
